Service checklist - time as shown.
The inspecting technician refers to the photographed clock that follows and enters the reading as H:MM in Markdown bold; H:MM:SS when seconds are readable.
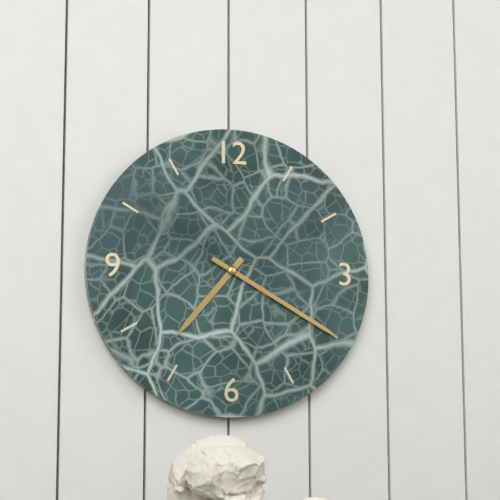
**7:20**
